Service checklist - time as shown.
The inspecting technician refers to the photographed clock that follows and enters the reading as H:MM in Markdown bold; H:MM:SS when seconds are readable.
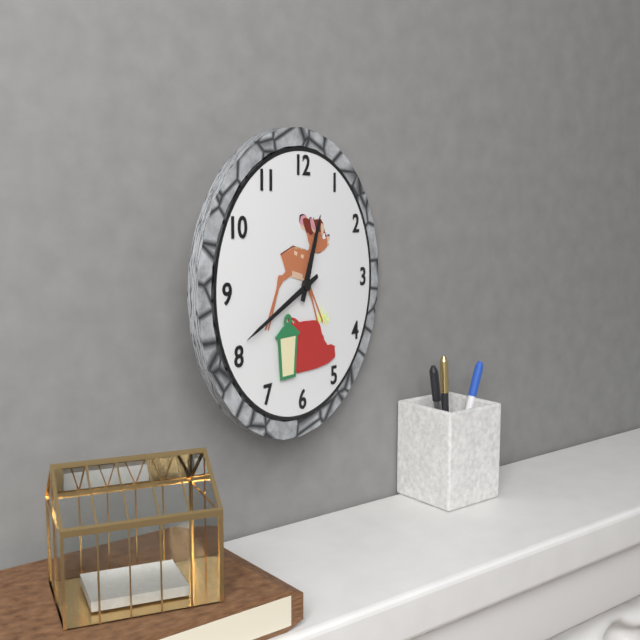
**12:41**
